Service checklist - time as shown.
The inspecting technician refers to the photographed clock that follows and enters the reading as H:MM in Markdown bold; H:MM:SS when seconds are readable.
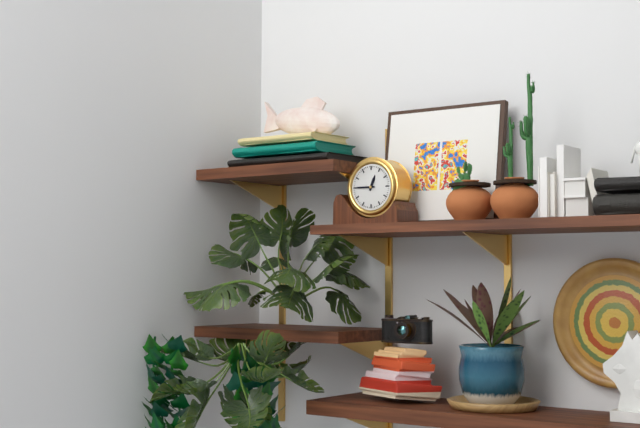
**12:45**
